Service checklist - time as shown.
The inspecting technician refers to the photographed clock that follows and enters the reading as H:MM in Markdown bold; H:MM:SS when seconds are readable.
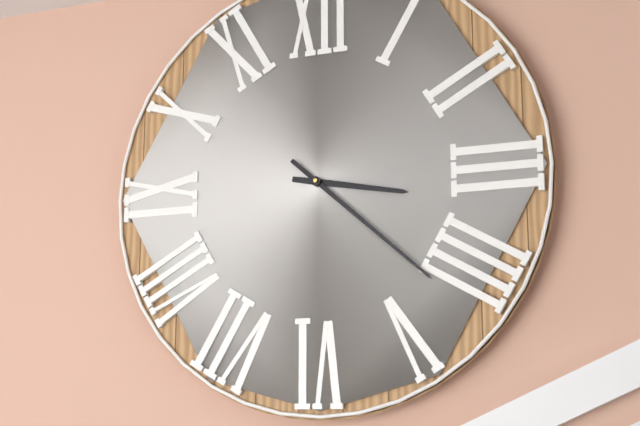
**3:22**
